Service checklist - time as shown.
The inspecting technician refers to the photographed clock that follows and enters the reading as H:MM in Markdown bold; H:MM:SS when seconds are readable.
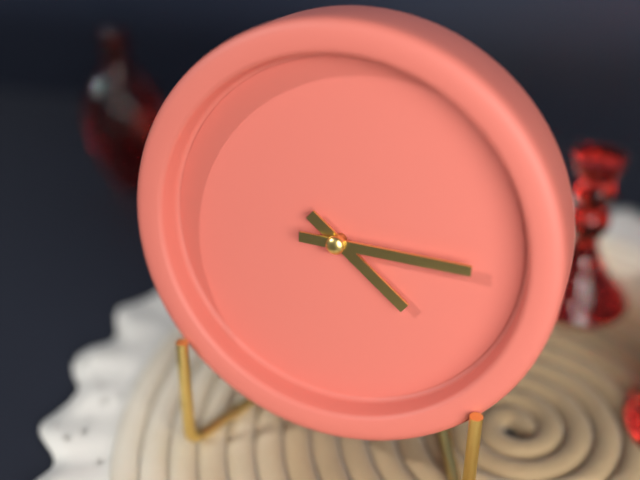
**4:15**
